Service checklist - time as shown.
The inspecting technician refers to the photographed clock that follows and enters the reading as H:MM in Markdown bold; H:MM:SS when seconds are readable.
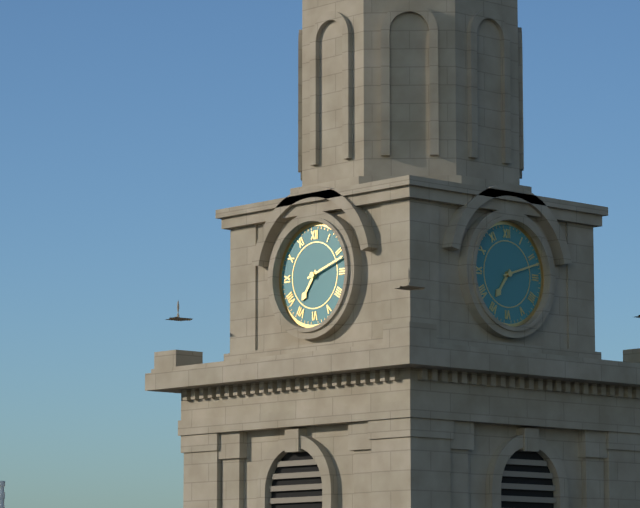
**7:12**
